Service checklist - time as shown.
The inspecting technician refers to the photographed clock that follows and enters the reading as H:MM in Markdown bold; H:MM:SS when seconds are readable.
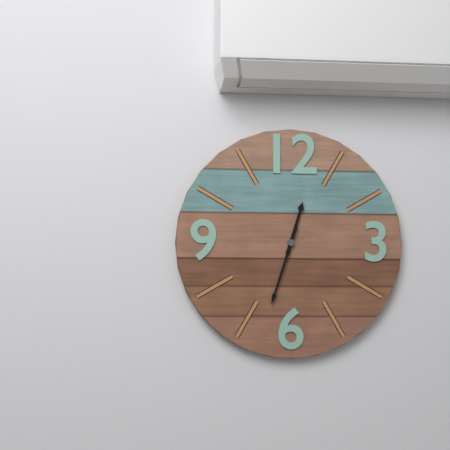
**12:33**
